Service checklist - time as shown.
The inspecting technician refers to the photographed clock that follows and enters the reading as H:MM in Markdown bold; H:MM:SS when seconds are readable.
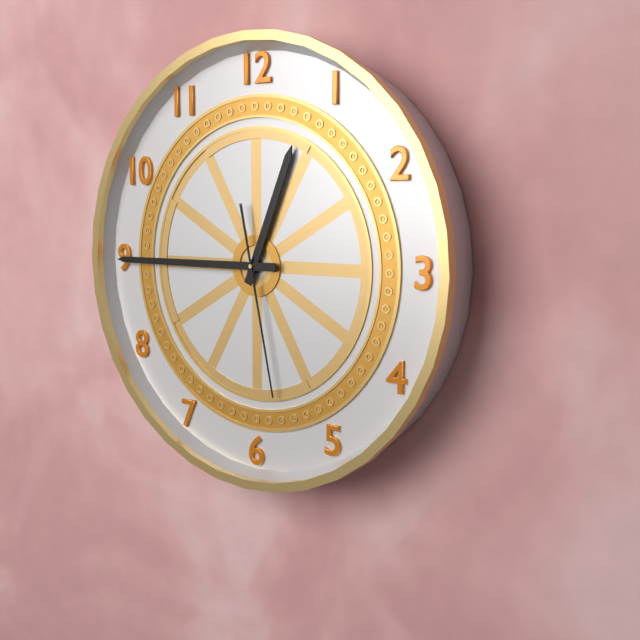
**12:45:28**
